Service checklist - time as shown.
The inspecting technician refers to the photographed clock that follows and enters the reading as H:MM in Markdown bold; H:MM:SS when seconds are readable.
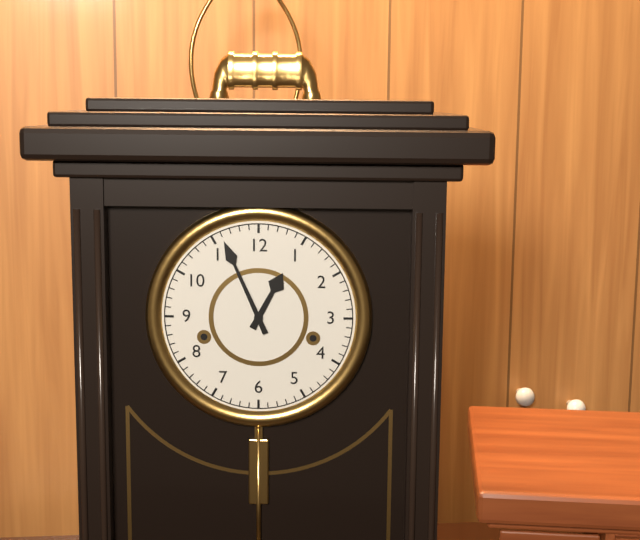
**12:56**
